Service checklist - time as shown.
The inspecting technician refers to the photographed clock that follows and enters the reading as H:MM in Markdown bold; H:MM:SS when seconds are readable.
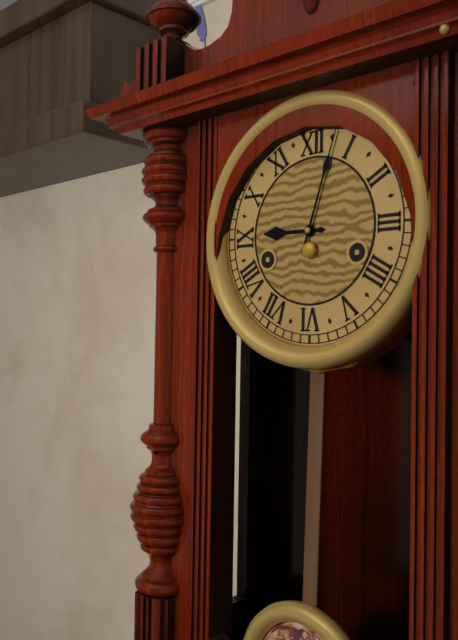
**9:03**
